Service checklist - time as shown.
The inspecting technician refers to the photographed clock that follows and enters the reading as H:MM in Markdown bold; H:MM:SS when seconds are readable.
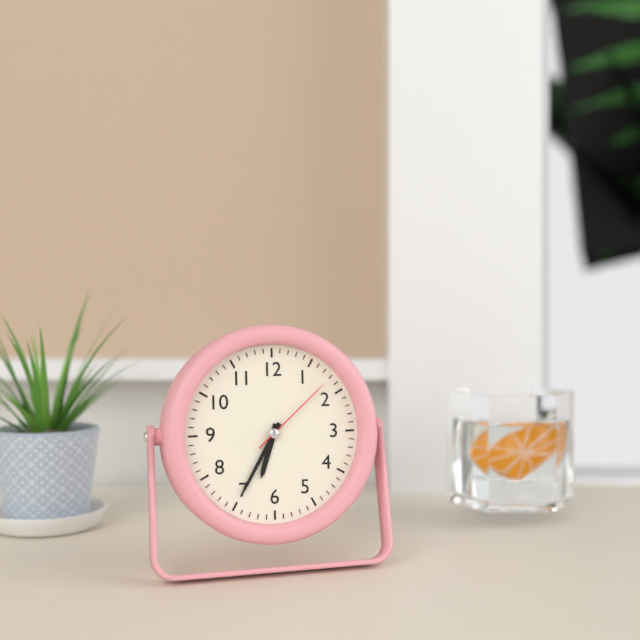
**6:35:08**
